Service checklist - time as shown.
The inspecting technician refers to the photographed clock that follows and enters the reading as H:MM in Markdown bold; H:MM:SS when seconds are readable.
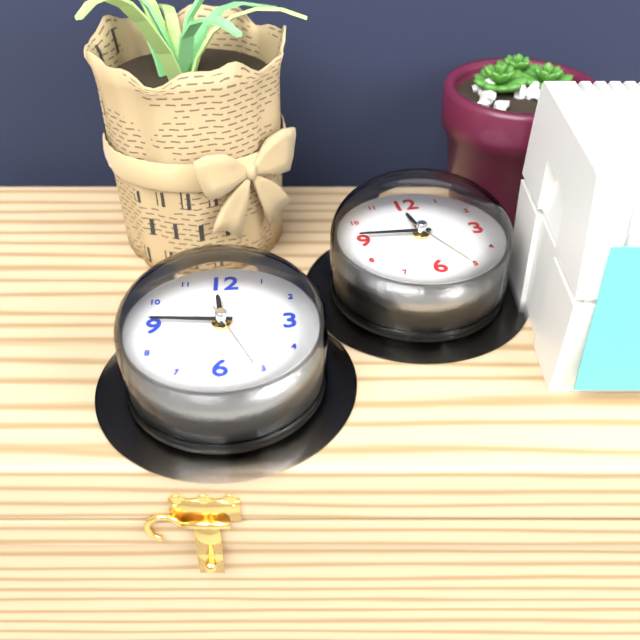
**11:46:26**
